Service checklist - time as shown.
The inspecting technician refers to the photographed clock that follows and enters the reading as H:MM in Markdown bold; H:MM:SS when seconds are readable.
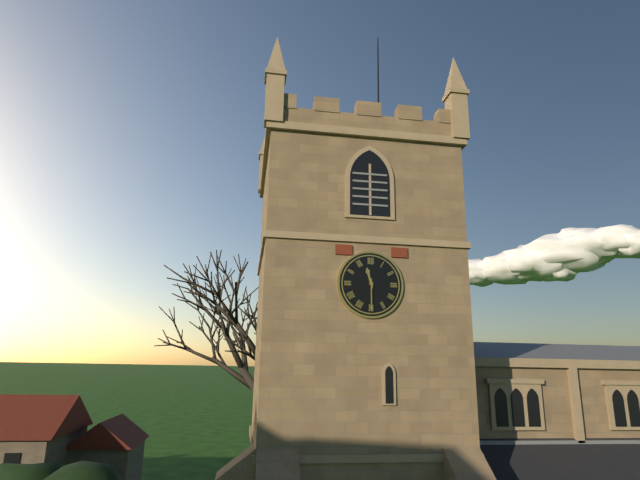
**11:30**
